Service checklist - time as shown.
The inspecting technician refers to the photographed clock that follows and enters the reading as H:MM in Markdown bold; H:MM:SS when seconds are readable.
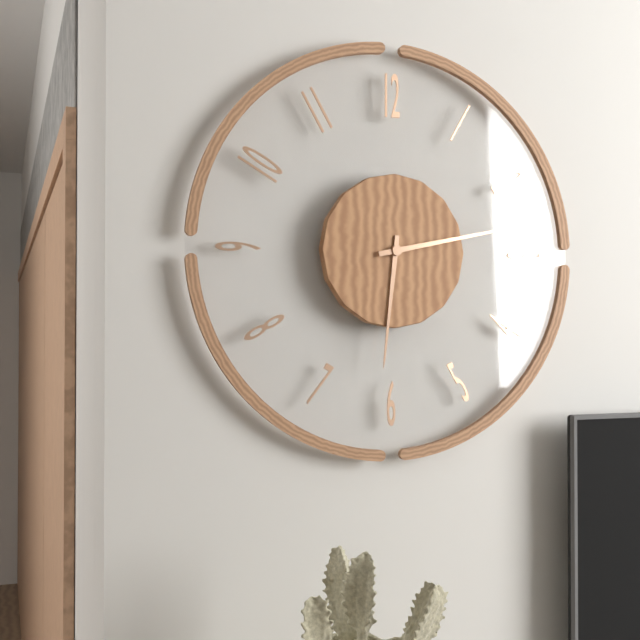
**6:13**
